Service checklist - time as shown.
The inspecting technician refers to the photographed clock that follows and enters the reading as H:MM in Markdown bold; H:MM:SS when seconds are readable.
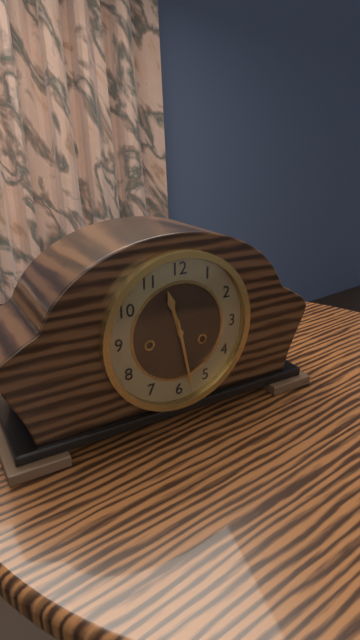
**11:28**
